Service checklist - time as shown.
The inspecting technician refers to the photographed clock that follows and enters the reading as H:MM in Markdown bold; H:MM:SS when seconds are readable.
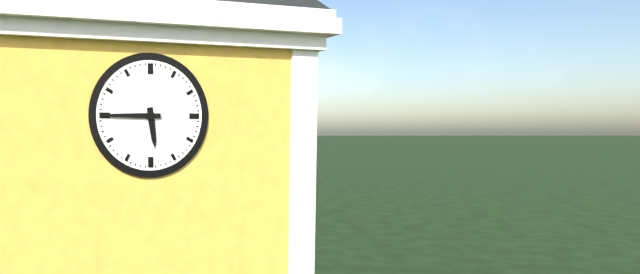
**5:45**
